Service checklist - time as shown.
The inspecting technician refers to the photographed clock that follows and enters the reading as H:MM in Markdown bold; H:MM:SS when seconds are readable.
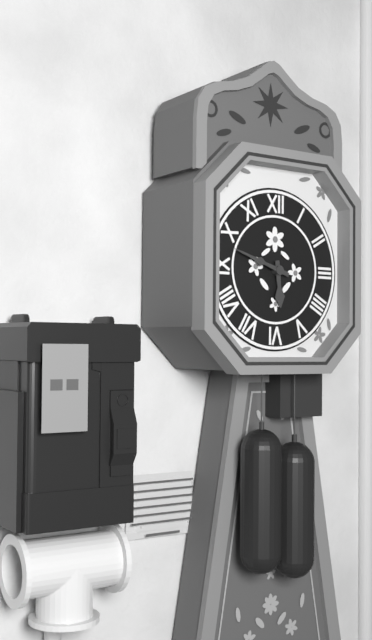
**5:48**
